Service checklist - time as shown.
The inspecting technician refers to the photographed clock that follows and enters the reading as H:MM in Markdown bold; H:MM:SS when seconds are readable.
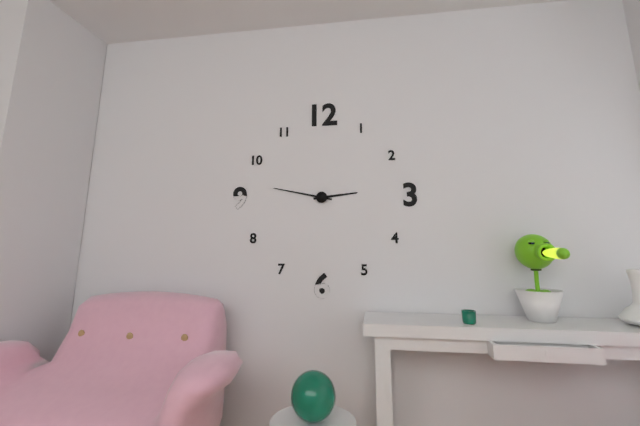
**2:47**
